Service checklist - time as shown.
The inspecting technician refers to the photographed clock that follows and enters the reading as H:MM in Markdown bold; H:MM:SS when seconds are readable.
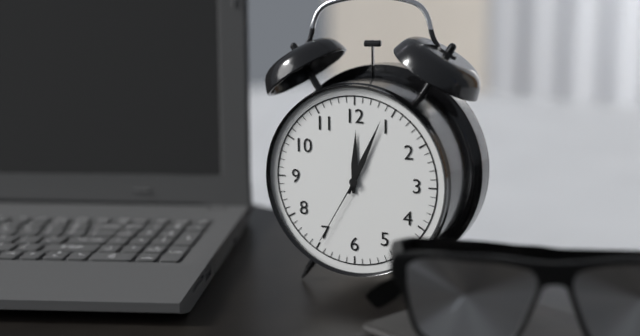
**12:04:35**
